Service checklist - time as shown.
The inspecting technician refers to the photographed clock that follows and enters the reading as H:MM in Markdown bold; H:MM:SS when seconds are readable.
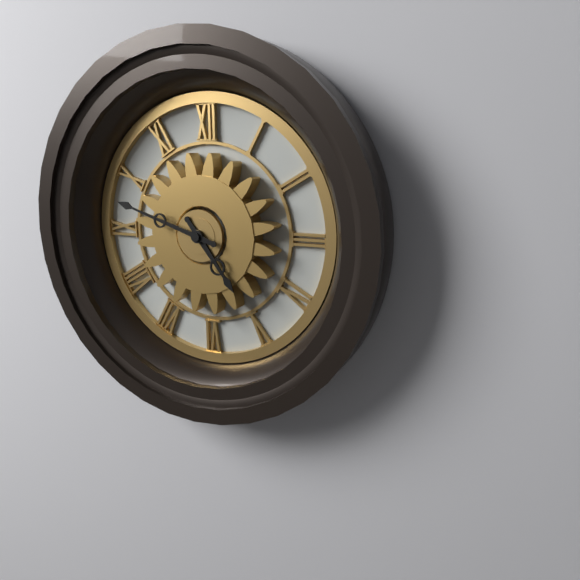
**4:48**
